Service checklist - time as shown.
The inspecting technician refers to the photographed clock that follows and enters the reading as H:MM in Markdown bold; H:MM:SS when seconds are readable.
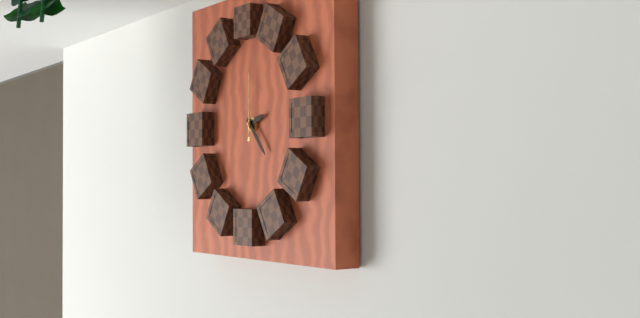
**2:23:00**
